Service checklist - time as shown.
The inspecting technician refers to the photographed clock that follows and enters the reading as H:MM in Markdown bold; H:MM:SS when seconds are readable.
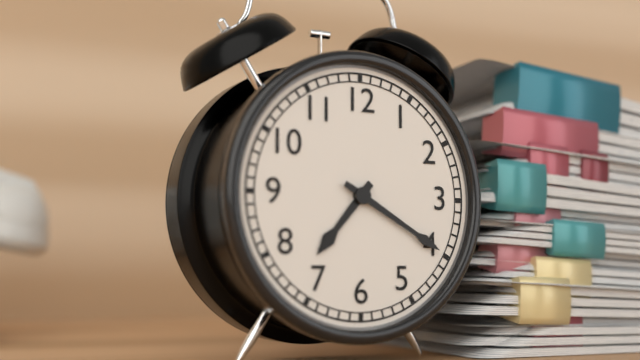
**7:20**
